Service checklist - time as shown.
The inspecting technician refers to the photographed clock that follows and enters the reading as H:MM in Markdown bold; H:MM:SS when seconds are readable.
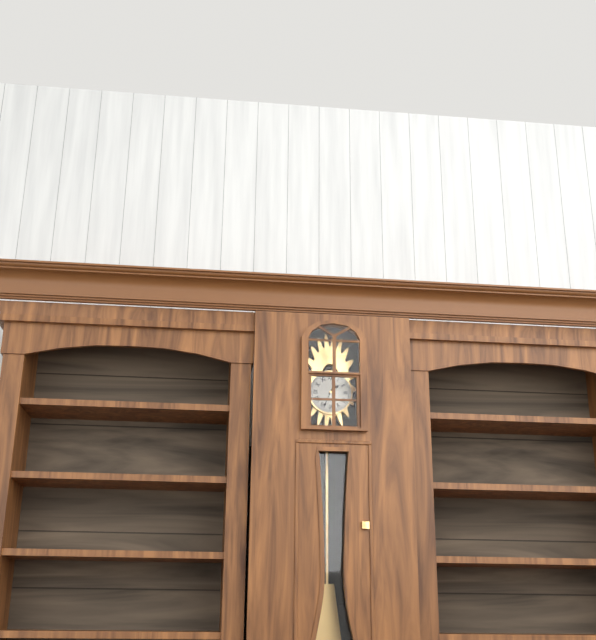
**1:34**
